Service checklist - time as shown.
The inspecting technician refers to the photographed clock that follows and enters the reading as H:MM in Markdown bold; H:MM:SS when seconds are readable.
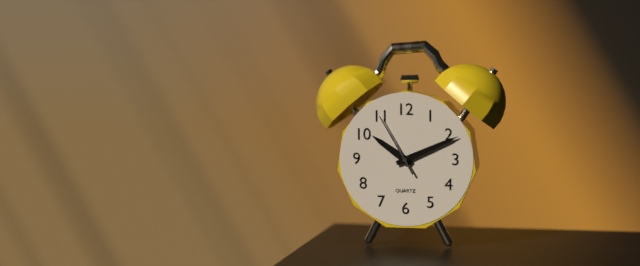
**10:11:55**
